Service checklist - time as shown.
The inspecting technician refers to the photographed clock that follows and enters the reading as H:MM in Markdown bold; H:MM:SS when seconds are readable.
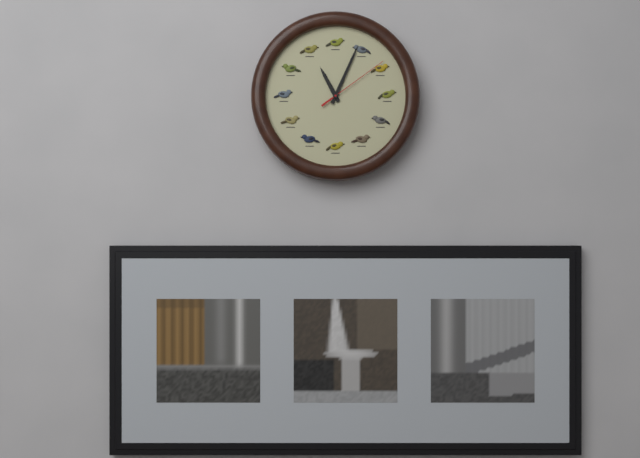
**11:04:09**
